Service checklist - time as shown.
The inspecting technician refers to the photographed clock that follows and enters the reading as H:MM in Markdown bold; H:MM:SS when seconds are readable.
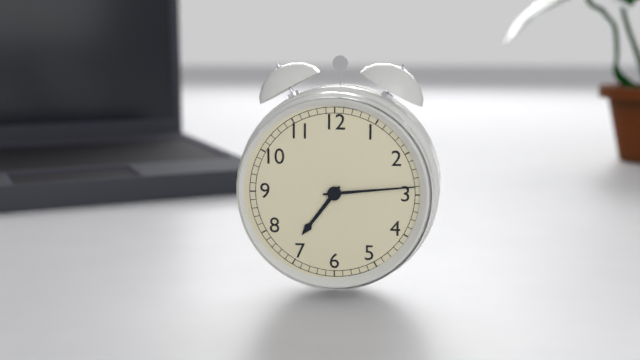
**7:14**
